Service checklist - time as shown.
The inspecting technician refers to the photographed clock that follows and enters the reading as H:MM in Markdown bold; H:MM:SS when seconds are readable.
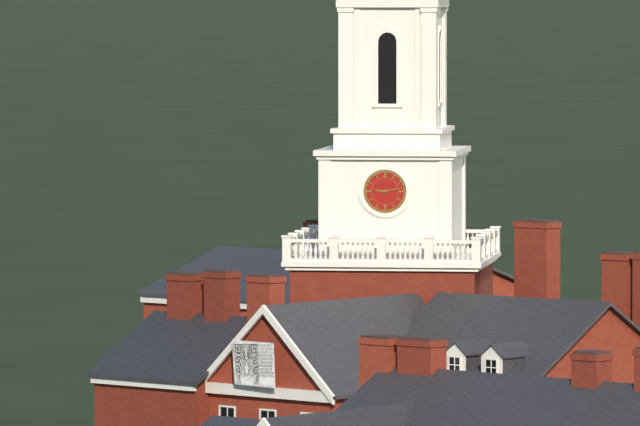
**9:13**
